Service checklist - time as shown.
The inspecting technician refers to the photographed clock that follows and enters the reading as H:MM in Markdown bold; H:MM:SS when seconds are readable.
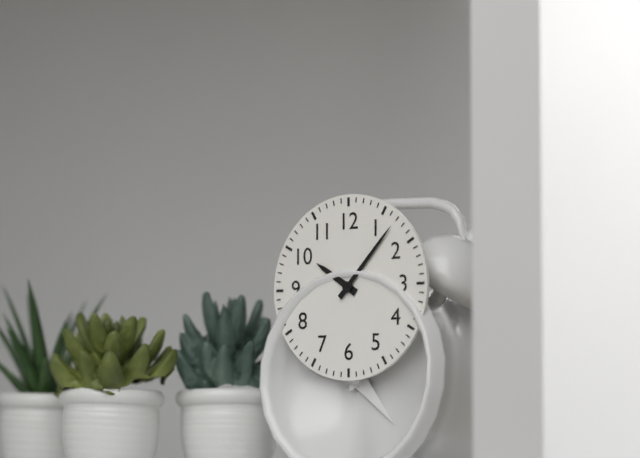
**10:07**
